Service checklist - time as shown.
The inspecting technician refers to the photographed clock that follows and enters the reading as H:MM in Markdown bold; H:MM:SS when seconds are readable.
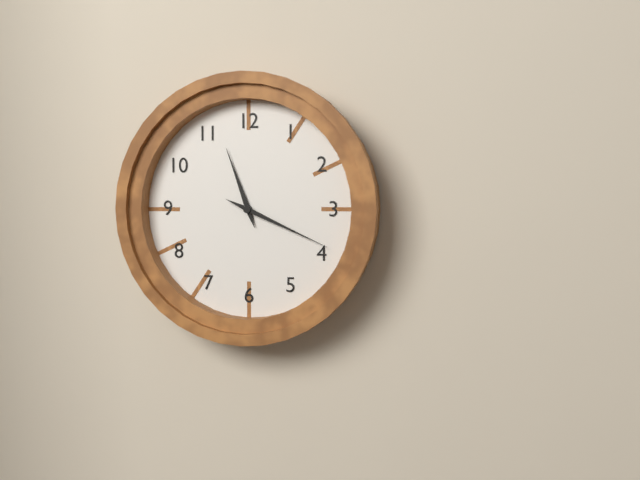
**11:19**
